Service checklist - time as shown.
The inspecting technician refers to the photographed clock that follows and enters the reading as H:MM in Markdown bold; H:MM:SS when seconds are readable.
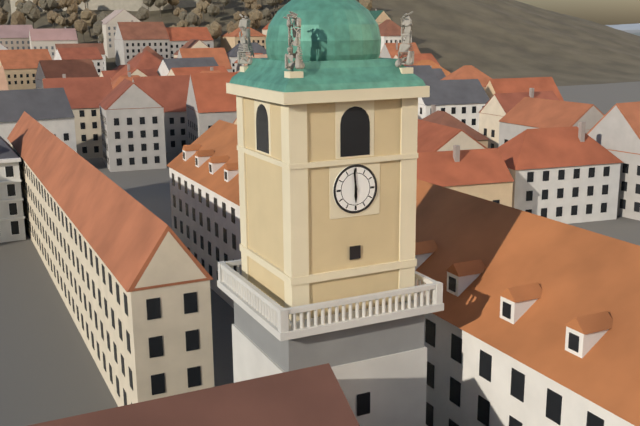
**5:59**
